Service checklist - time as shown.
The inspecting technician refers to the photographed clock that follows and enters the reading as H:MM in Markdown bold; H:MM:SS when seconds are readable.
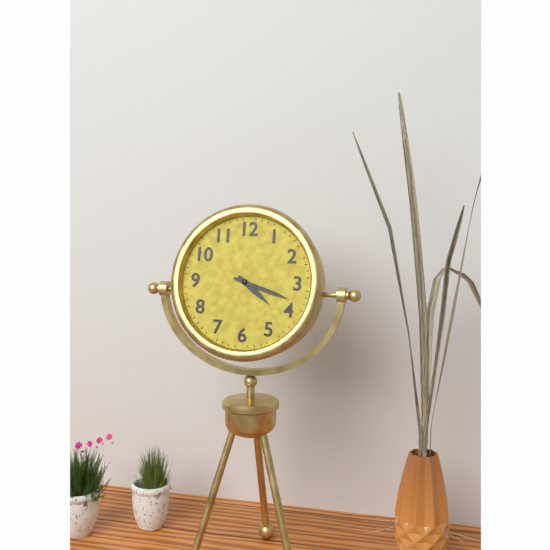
**4:18**
